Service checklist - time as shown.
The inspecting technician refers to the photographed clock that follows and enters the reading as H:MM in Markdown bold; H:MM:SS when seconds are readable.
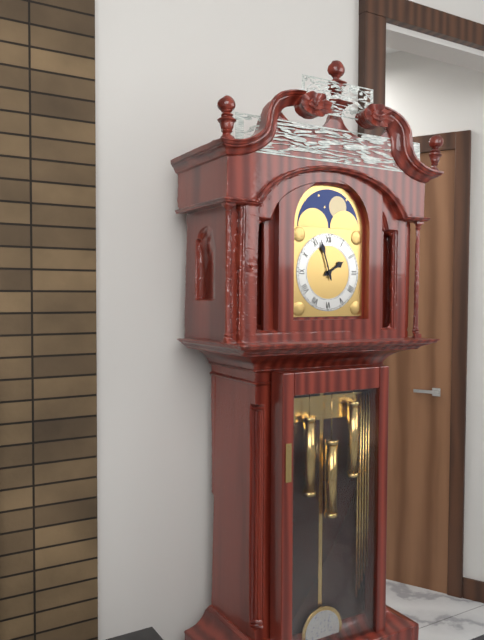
**1:57**
